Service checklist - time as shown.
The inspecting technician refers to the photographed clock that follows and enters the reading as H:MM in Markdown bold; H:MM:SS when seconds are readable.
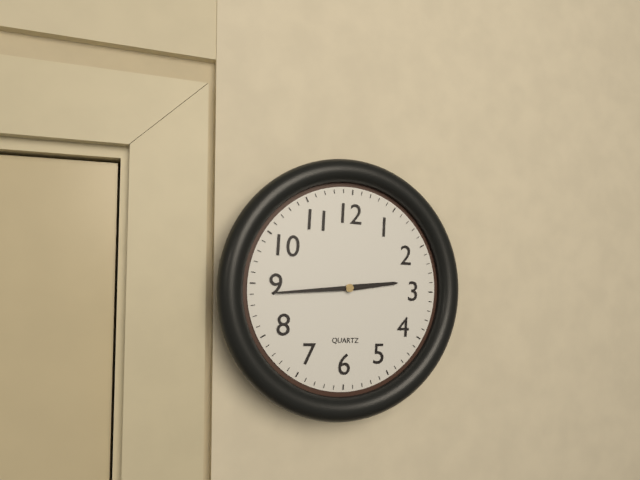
**2:44**
